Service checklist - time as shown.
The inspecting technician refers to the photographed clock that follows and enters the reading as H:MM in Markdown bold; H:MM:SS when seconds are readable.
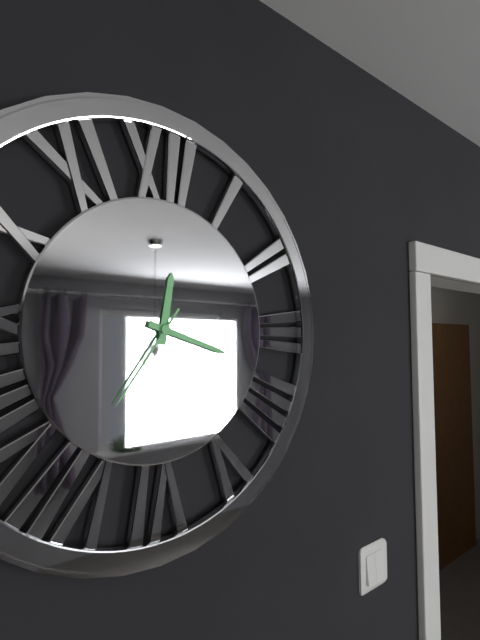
**12:18:36**
